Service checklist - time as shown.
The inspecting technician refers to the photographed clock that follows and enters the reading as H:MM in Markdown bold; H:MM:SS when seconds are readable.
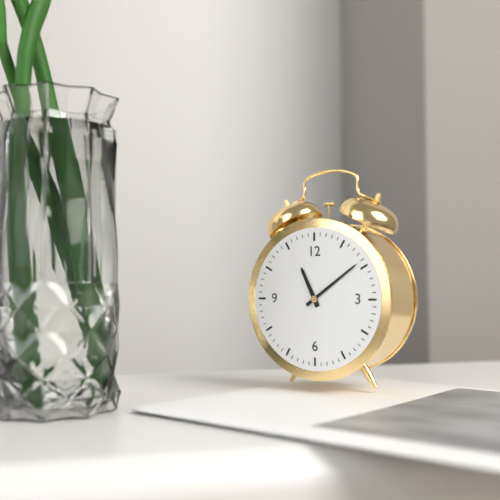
**11:09**
